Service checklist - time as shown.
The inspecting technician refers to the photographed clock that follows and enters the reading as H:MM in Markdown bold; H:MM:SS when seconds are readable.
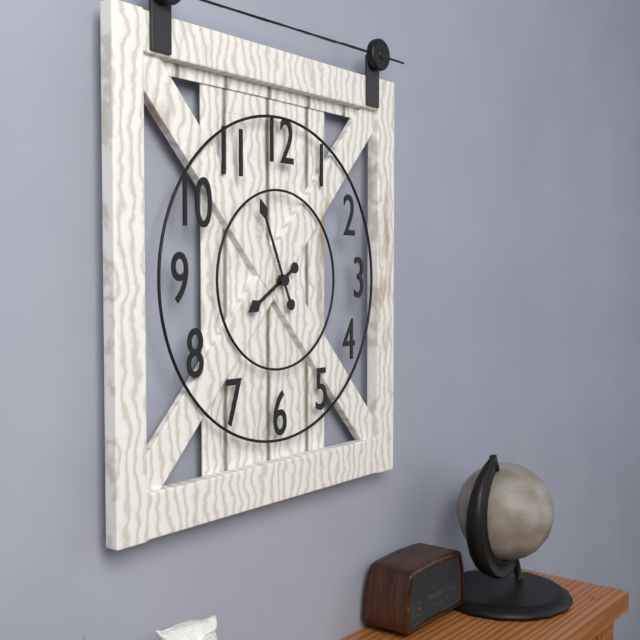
**7:56**
